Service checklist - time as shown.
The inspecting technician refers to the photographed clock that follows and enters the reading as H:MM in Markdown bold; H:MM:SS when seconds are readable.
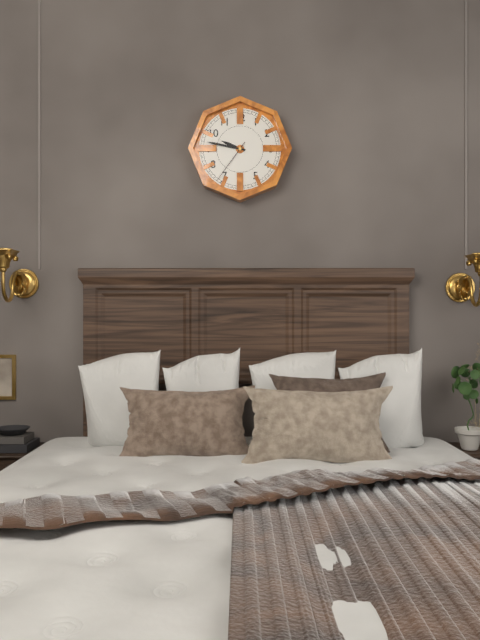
**9:47**
